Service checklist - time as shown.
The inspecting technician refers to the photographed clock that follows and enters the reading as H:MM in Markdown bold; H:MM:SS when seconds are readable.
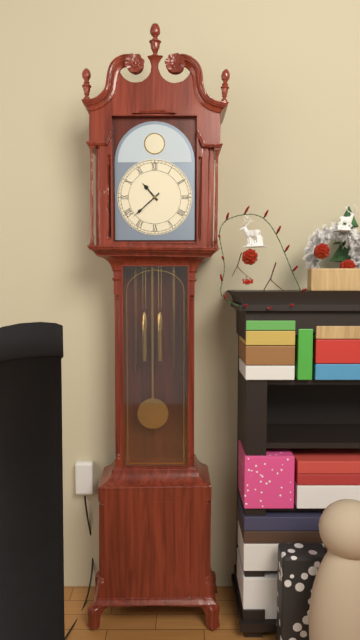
**10:38**
